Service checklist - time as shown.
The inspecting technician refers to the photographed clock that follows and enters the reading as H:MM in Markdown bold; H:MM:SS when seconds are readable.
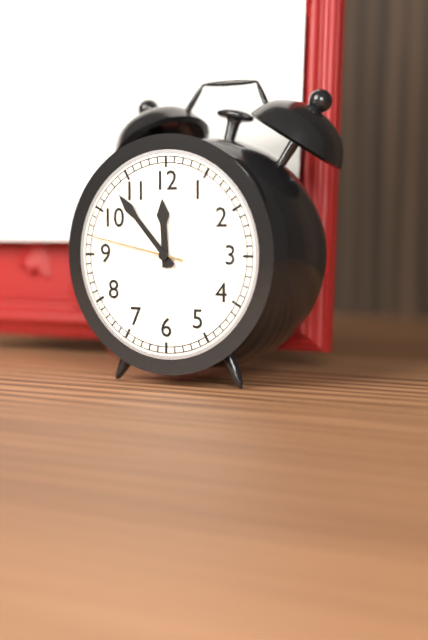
**11:53:47**
